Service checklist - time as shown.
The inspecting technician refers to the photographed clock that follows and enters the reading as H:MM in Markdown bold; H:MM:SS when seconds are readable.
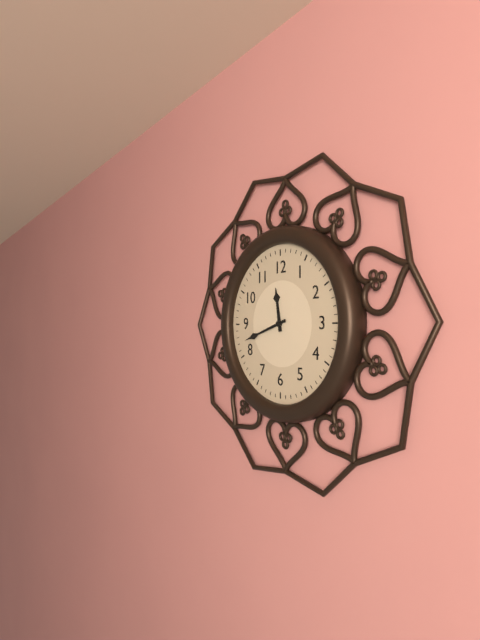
**11:42**
